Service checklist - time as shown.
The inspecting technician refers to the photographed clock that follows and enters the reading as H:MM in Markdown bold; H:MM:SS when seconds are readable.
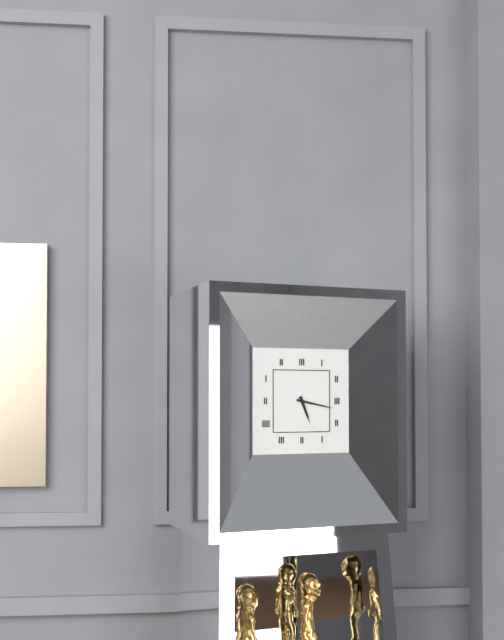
**5:17**
